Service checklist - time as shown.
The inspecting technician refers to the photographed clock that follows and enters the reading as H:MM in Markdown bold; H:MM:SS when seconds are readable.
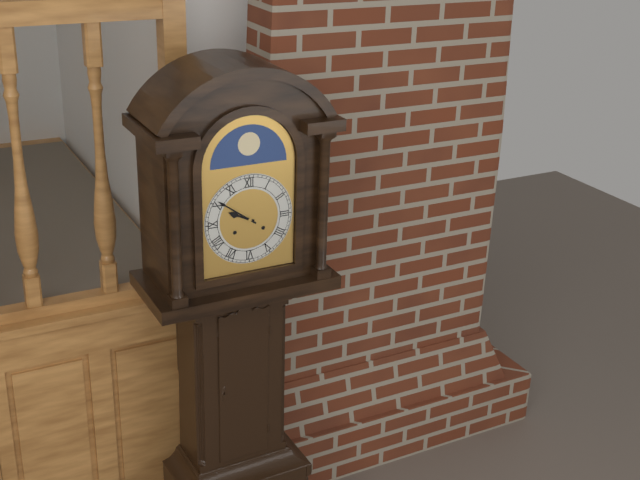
**9:51**
